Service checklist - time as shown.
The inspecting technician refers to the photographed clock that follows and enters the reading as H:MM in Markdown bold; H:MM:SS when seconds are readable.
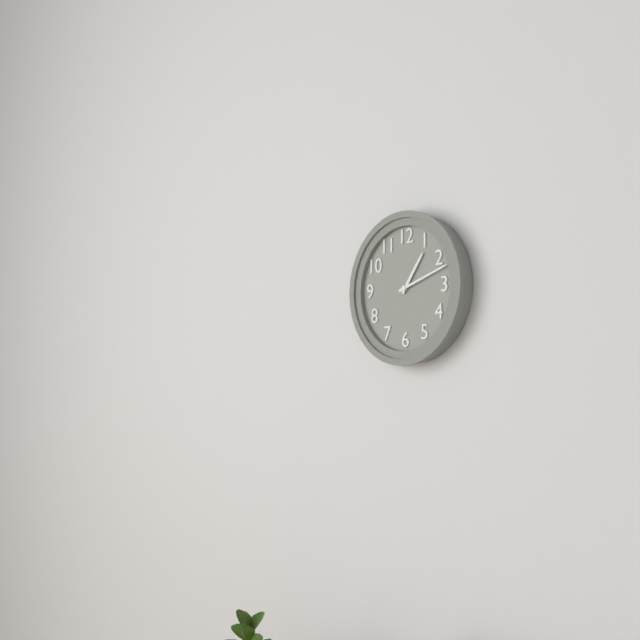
**1:12**
